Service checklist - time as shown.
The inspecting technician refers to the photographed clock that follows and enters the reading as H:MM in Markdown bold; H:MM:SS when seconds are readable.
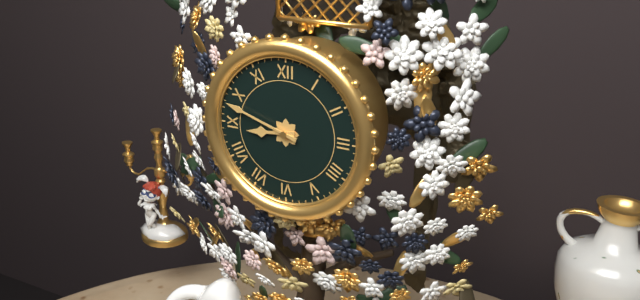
**8:48**
